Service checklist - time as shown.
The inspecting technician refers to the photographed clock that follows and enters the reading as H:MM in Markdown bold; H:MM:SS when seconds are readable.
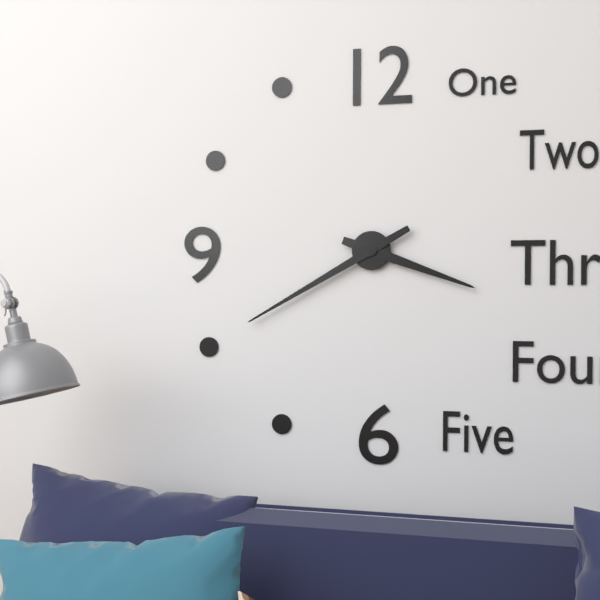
**3:40**
